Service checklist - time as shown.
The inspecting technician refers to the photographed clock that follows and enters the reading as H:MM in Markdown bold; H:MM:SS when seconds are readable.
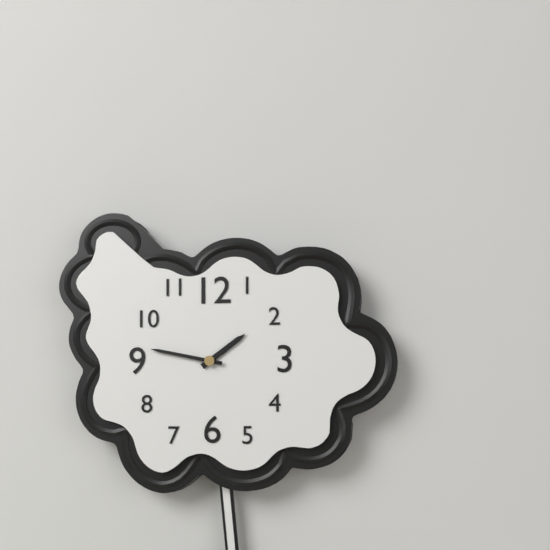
**1:47**
